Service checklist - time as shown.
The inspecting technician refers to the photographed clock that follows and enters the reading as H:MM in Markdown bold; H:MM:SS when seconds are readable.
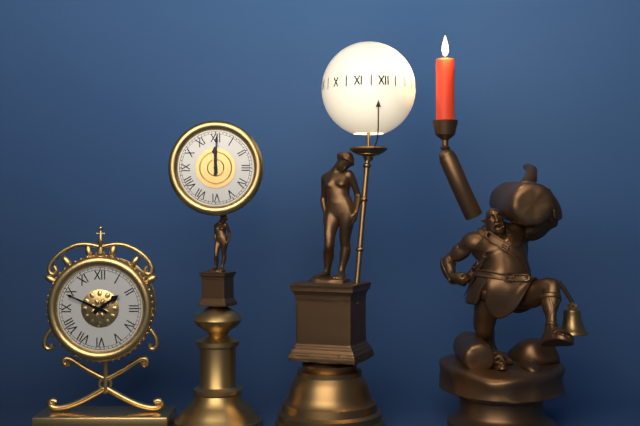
**1:49**
